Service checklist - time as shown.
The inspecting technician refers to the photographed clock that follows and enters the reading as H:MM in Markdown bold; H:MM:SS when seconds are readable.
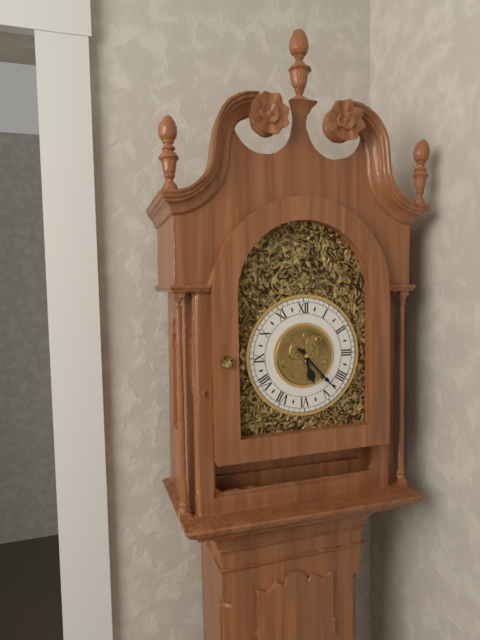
**5:23**
